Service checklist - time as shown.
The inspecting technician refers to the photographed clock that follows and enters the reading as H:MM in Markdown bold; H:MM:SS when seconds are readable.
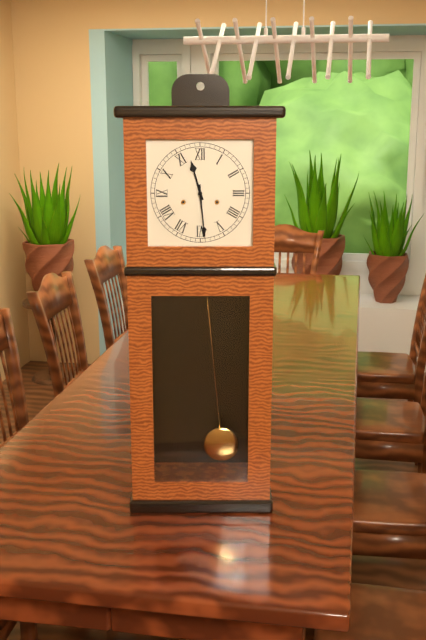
**11:29**
